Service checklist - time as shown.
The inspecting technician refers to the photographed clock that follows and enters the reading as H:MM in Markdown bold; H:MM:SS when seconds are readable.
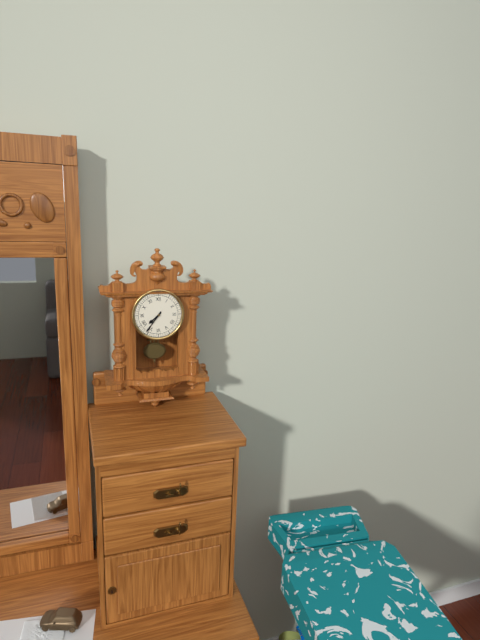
**7:36**
